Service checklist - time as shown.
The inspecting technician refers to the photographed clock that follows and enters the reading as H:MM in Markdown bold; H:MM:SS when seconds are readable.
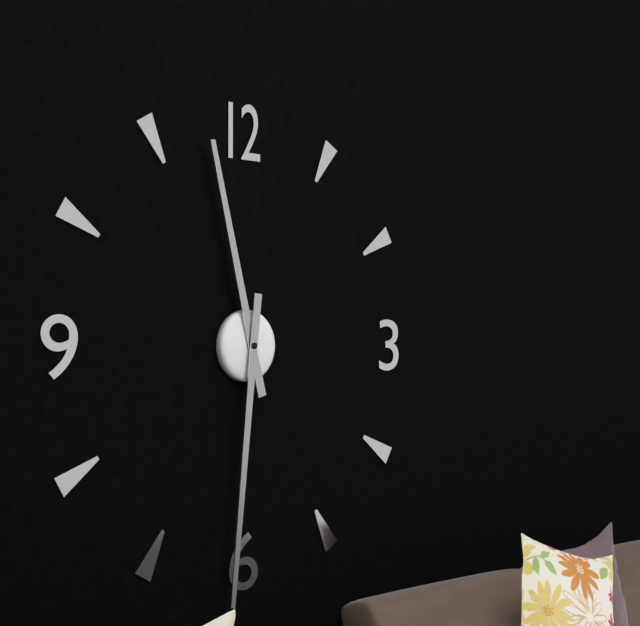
**11:31**
